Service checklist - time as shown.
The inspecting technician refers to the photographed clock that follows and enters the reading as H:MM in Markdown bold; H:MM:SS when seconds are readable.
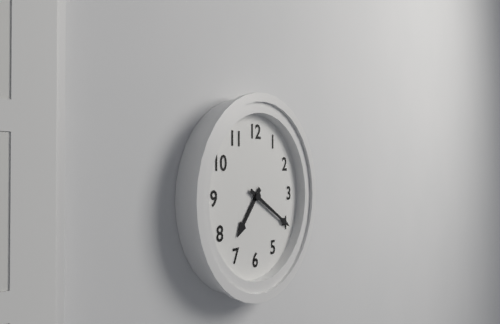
**7:20**
